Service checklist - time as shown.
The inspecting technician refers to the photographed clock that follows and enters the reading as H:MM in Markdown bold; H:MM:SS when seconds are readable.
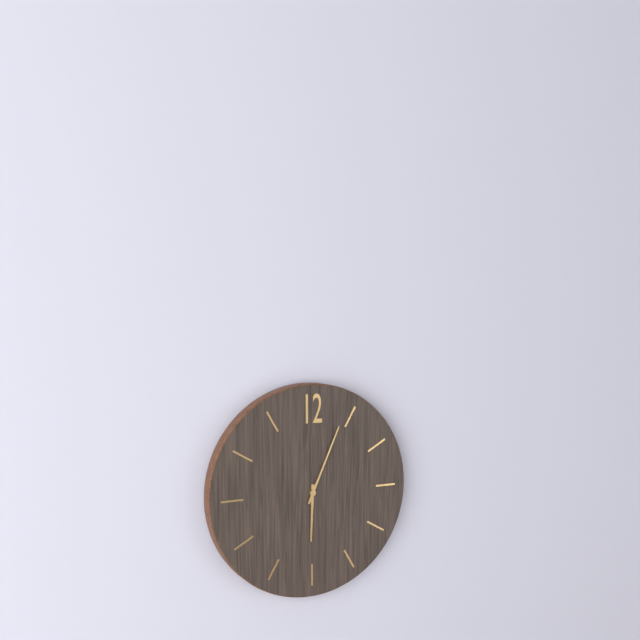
**6:04**
